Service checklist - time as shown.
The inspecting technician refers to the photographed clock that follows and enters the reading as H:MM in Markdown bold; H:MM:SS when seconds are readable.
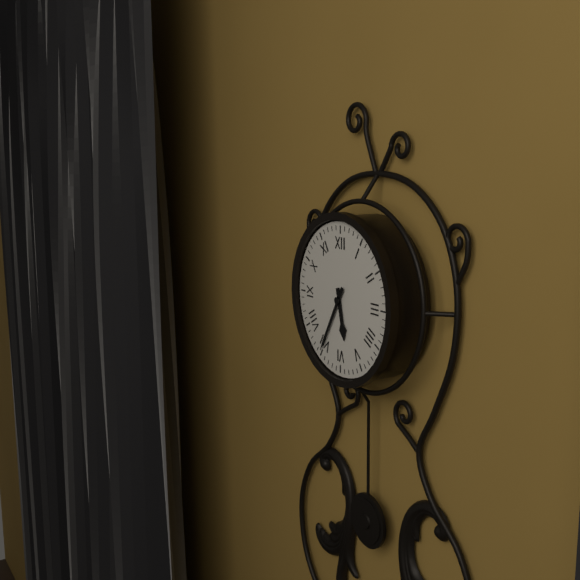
**5:35**
